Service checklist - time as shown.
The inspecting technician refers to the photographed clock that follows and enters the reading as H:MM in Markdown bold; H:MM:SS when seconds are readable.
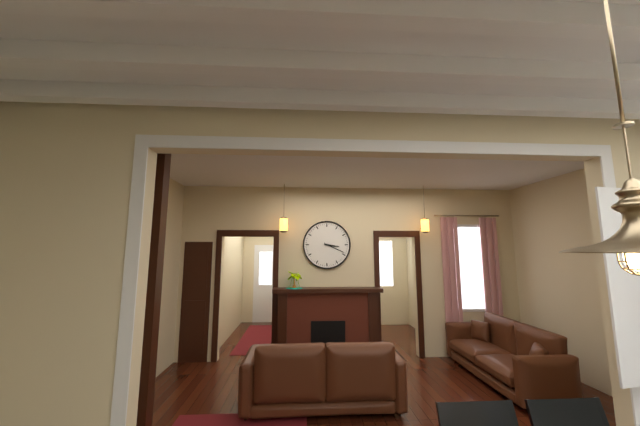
**3:19**
